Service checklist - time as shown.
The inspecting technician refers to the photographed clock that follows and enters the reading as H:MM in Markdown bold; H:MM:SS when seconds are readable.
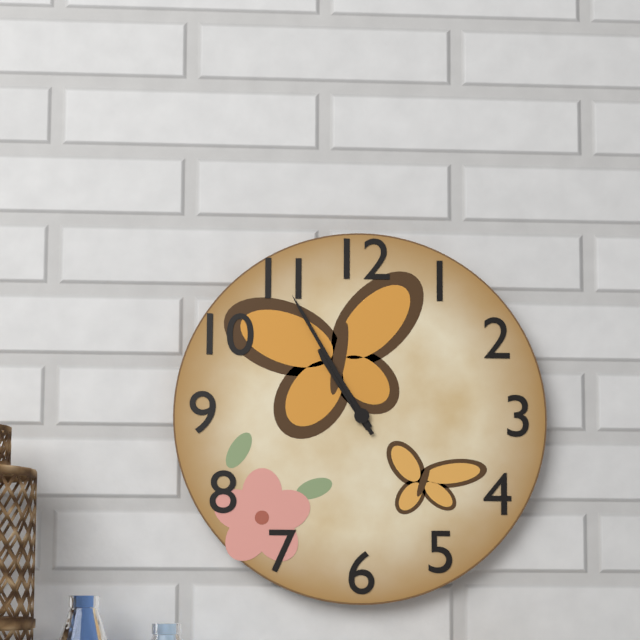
**10:55**
